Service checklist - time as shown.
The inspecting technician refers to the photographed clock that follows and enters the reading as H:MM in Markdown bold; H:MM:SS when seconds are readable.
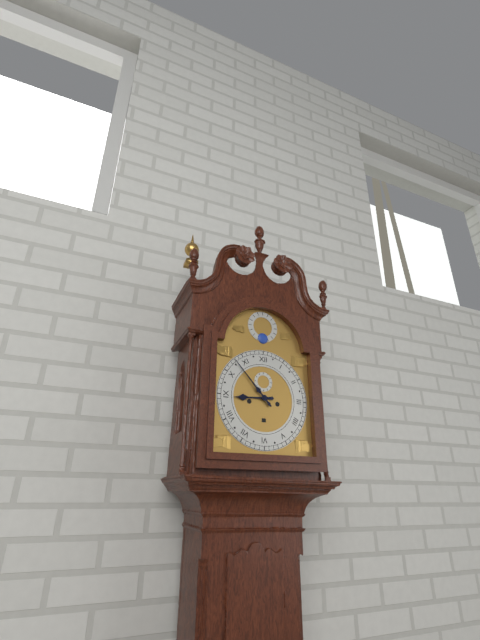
**8:53**
